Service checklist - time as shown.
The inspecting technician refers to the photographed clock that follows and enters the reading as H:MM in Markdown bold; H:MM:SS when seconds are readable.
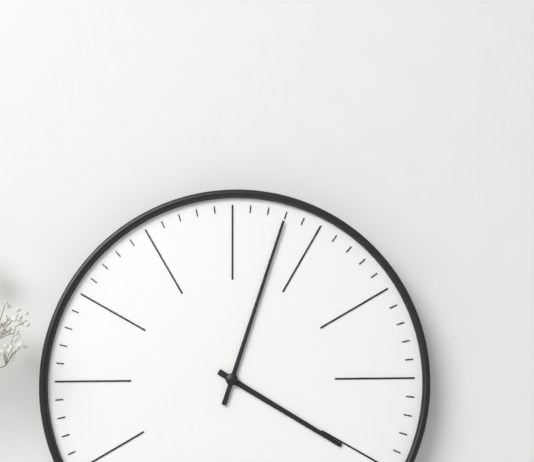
**4:03**
